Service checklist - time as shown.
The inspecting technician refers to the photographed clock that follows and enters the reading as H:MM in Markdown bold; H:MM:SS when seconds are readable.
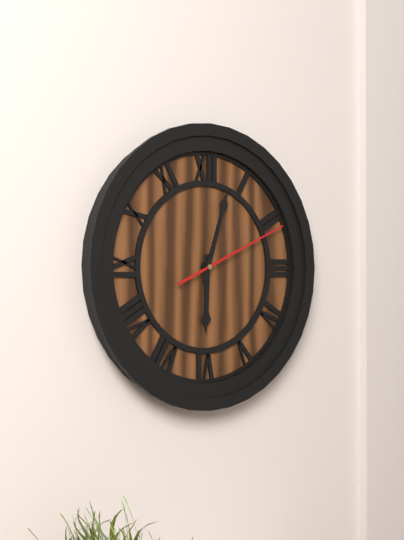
**6:03:11**
